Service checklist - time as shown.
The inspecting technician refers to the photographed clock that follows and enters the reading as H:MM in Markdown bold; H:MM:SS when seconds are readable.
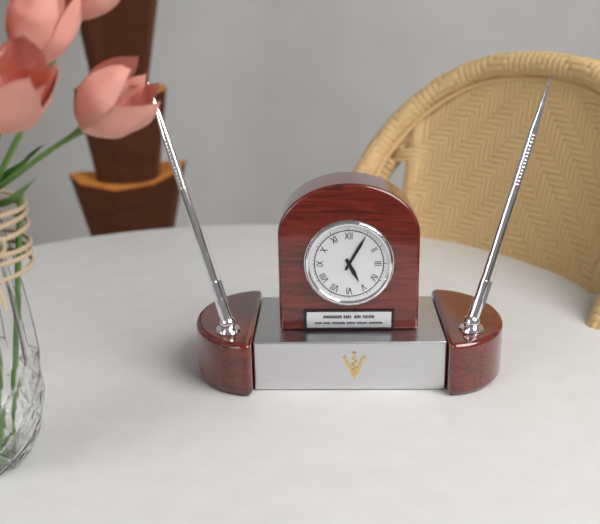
**5:05**
